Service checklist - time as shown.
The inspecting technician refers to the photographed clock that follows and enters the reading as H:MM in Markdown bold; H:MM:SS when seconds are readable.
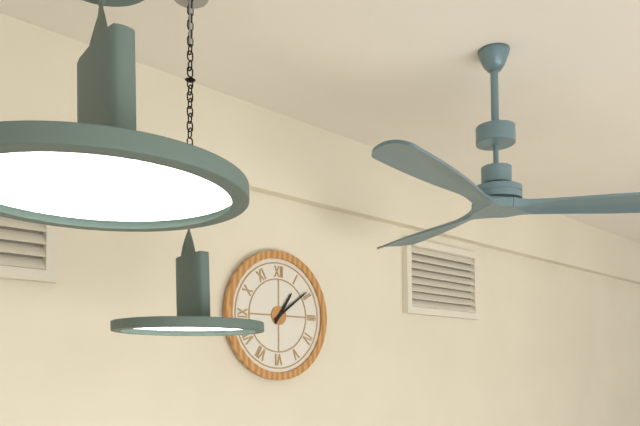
**1:09**
